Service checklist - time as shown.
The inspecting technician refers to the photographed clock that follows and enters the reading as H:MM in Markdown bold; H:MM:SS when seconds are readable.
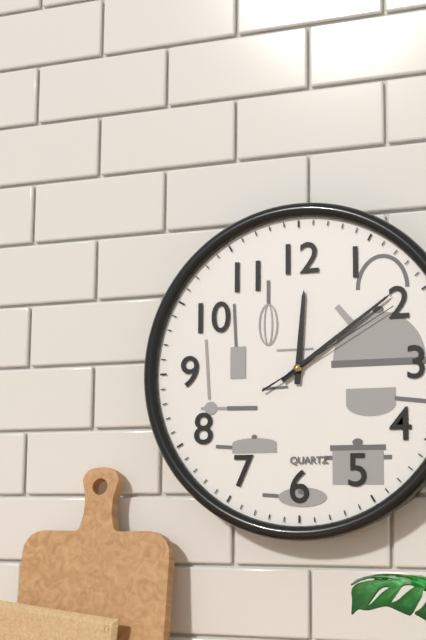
**12:09:10**
